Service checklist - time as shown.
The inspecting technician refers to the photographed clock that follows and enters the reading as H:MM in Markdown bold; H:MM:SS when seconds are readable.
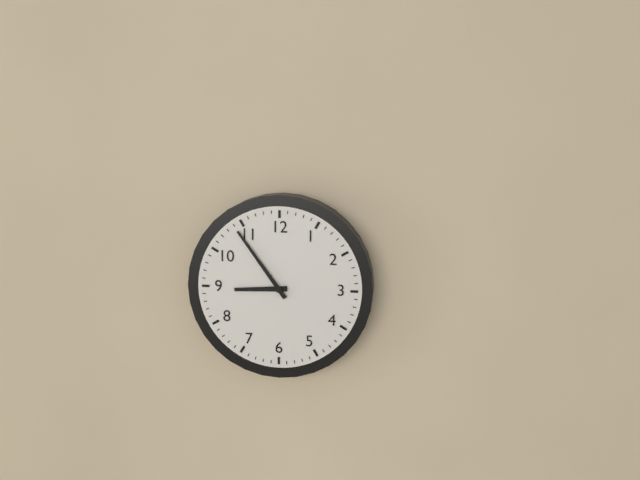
**8:54**
